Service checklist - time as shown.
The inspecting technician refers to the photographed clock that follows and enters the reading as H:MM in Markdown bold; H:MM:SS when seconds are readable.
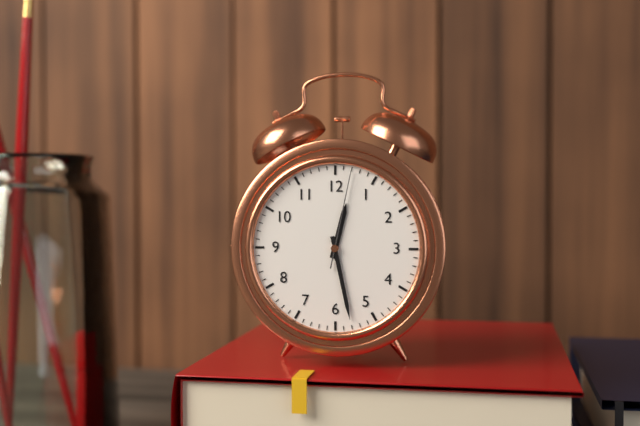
**12:28:02**
